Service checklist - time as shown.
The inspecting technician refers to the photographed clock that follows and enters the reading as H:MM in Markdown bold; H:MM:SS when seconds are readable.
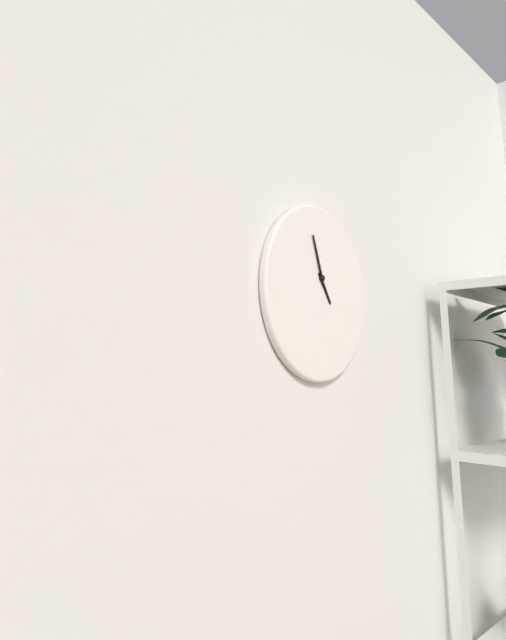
**4:57**
